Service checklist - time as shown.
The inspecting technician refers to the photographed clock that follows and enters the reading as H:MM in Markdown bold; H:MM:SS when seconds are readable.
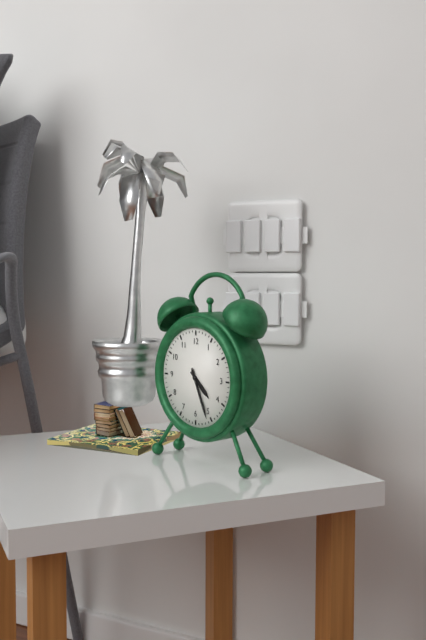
**4:26**
